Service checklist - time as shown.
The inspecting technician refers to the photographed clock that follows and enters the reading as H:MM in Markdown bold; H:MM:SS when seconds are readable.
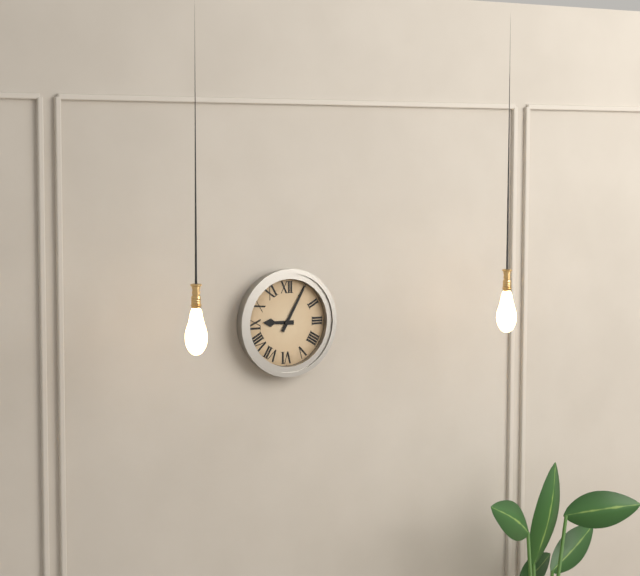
**9:05**
